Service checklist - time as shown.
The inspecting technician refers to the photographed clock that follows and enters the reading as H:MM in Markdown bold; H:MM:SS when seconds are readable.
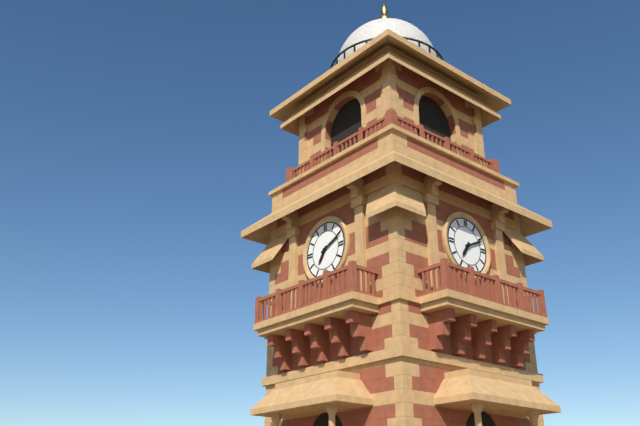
**7:11**
